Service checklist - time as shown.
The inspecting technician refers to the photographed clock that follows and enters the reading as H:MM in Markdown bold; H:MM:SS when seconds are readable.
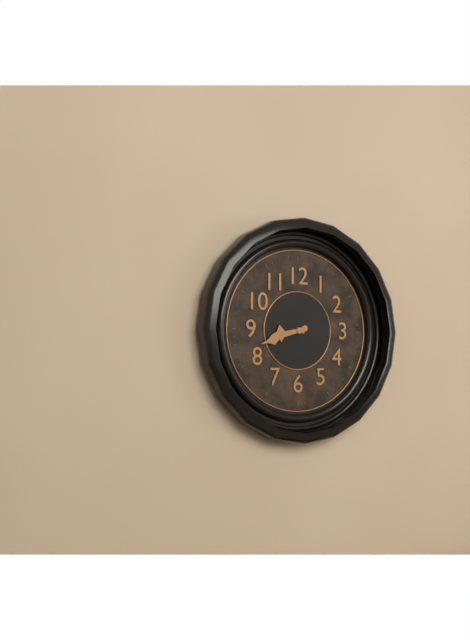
**8:42**
